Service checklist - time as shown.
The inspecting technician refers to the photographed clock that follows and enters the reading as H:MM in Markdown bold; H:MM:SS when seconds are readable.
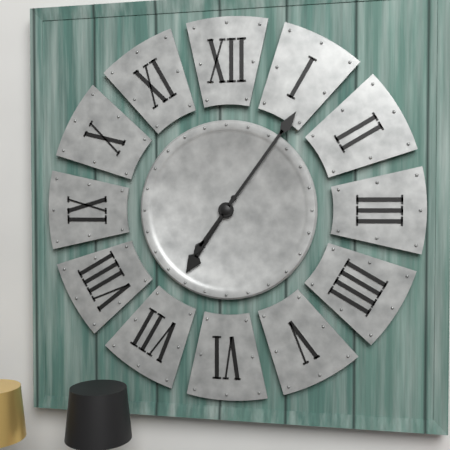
**7:06**
